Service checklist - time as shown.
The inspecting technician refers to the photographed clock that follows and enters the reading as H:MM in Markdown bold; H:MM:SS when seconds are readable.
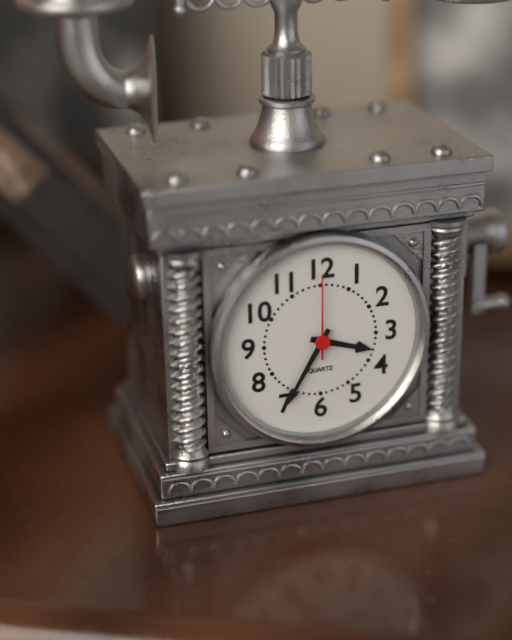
**3:35:00**
